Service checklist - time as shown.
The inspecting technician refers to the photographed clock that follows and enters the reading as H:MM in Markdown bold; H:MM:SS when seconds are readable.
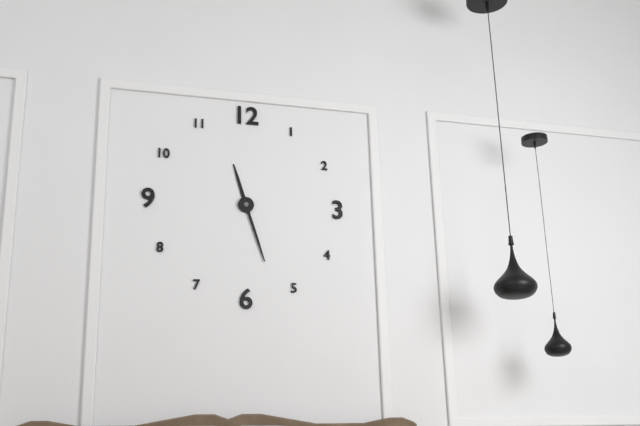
**11:27**
